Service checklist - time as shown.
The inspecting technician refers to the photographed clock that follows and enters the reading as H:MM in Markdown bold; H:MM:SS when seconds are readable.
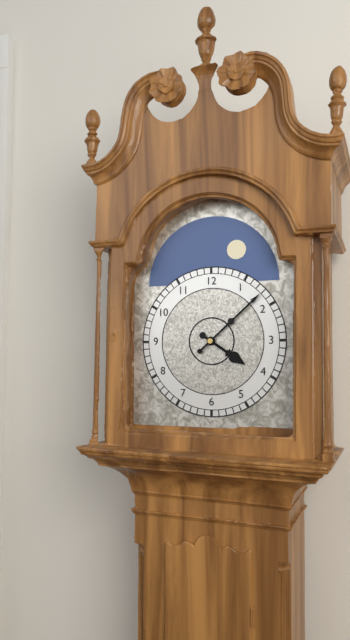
**4:08**
